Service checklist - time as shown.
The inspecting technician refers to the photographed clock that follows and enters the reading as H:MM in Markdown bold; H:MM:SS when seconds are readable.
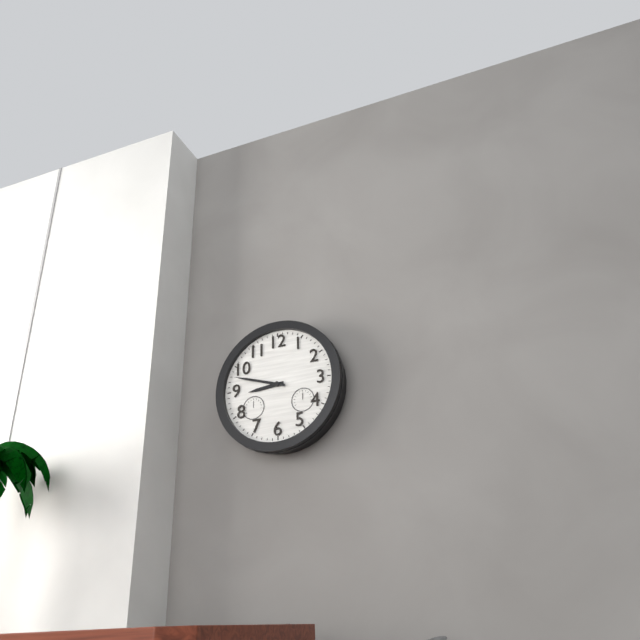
**8:48**
